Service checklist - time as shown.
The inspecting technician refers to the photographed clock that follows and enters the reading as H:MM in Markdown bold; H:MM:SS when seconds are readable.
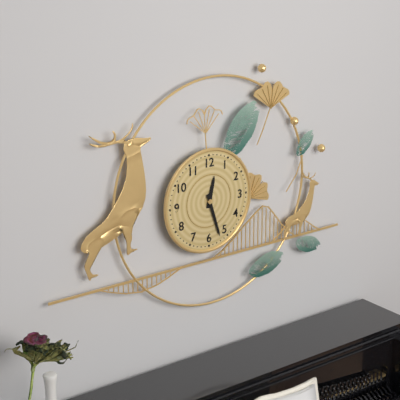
**12:27**
